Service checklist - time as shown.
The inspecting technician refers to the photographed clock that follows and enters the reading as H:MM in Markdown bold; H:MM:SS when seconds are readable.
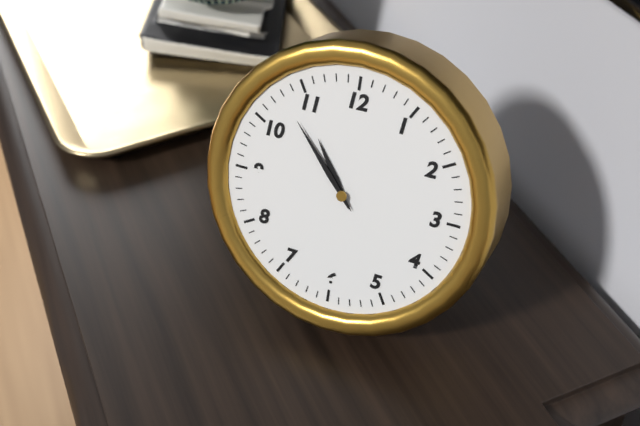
**10:53**
